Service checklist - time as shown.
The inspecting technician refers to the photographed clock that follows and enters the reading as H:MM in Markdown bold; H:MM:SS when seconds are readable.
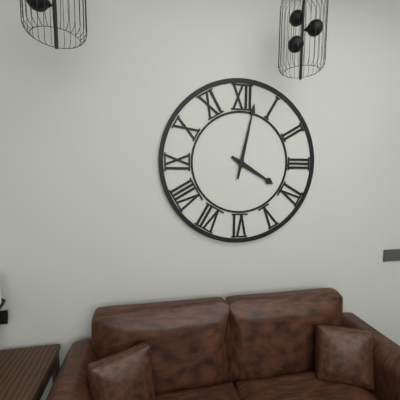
**4:02**
